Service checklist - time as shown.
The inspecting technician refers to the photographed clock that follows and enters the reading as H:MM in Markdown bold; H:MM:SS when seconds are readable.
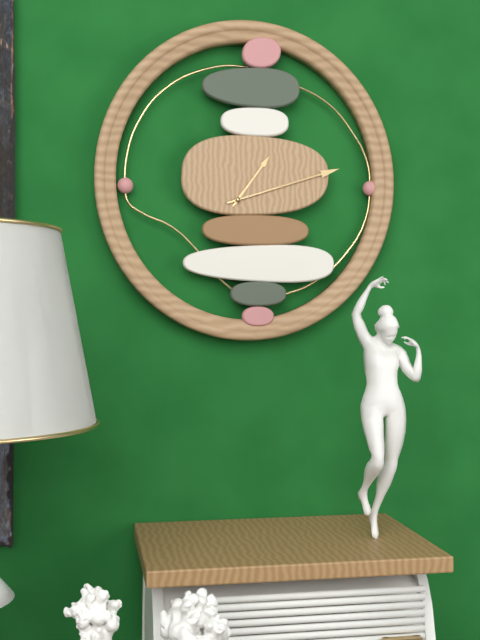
**1:12**
